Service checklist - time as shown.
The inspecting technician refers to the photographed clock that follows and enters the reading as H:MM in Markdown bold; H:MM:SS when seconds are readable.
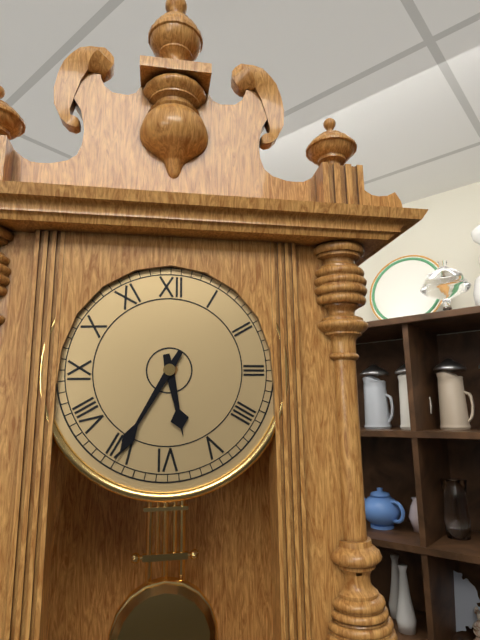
**5:35**
